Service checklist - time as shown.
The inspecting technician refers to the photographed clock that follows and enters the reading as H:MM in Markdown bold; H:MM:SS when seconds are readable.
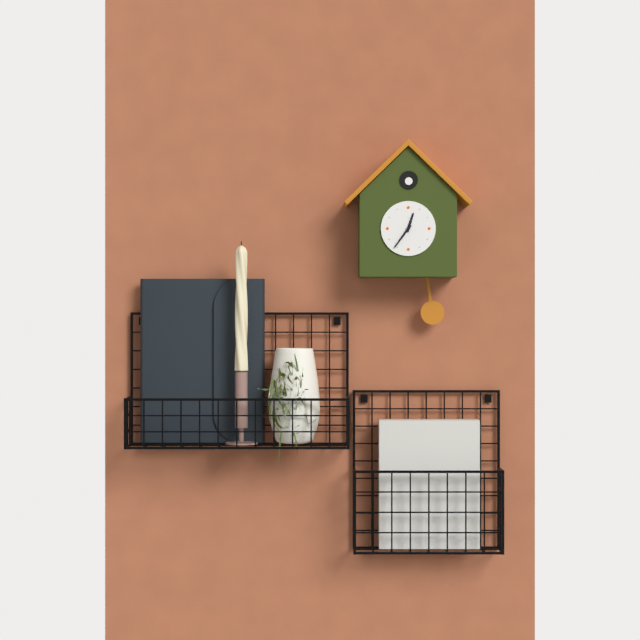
**12:36**
